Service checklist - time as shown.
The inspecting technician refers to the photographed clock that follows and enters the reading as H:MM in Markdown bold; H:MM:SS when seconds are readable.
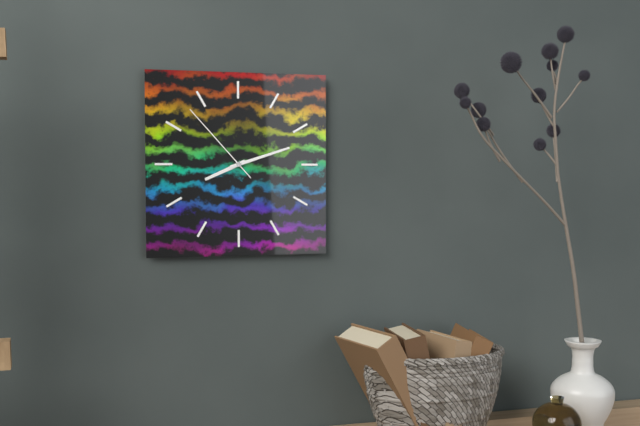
**8:12:53**
